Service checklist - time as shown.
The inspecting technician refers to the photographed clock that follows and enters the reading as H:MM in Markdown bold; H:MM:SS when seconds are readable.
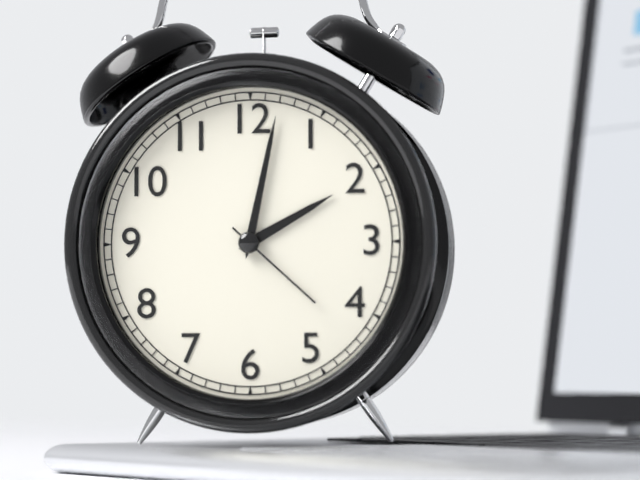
**2:02:22**
